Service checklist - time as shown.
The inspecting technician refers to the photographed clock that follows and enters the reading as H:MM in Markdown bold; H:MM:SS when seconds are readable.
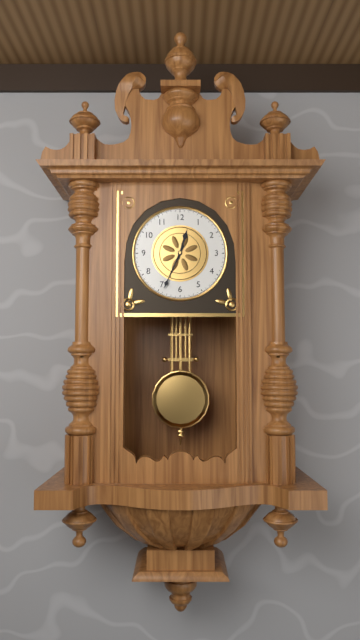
**12:34**
